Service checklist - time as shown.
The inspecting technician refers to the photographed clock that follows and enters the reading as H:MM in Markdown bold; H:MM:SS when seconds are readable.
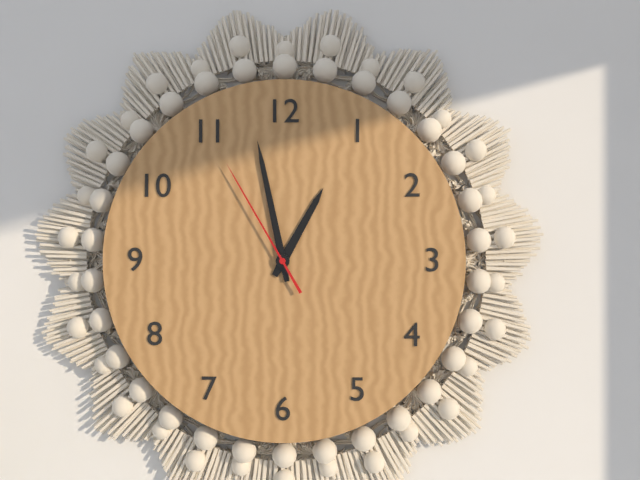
**12:58:55**
